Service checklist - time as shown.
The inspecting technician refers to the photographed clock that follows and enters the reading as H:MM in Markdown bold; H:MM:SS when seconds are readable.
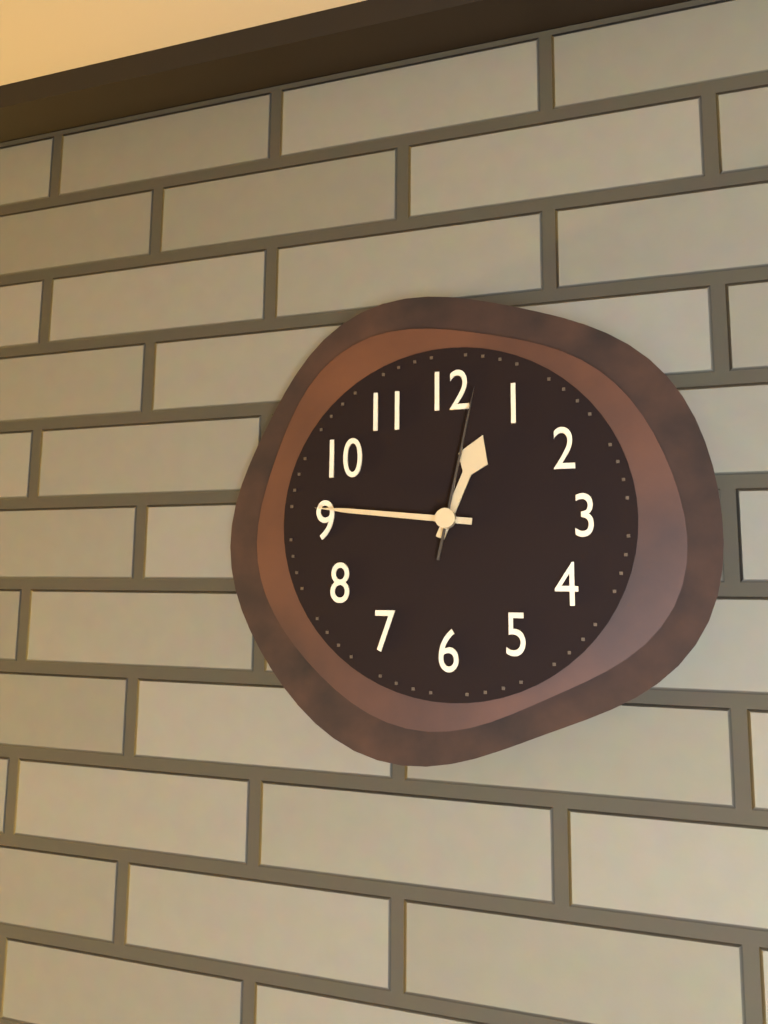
**12:46:02**
